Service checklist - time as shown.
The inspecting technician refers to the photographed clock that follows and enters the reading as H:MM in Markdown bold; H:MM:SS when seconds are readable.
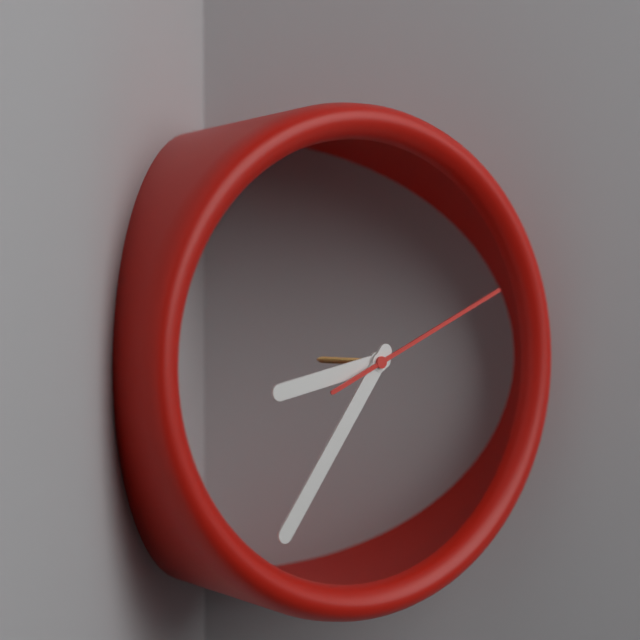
**8:36:11**
